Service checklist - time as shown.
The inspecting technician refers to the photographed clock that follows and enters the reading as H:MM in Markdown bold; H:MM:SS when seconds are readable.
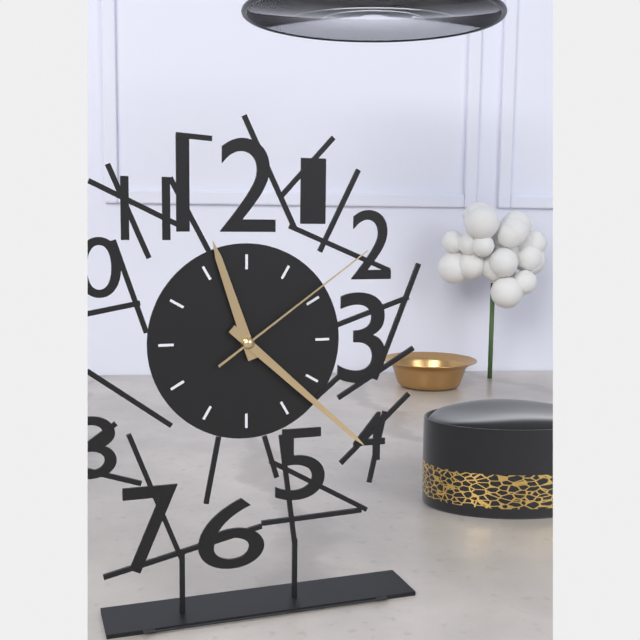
**11:22:09**
